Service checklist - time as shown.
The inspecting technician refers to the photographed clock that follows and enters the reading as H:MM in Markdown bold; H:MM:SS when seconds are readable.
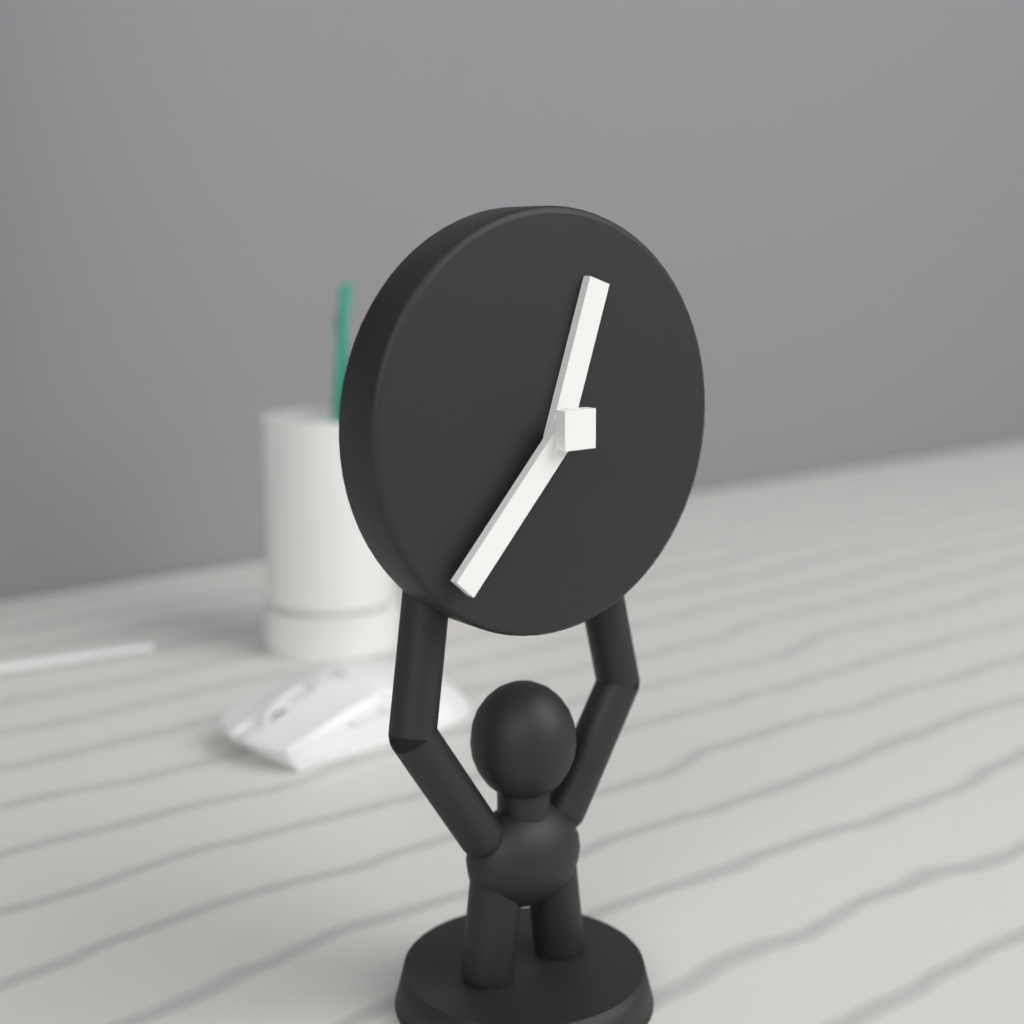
**12:37**
